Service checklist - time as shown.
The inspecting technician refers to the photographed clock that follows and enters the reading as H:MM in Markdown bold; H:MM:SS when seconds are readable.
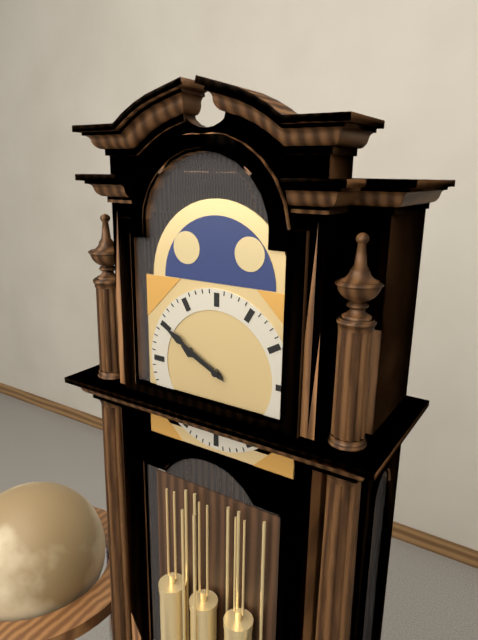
**9:50**
